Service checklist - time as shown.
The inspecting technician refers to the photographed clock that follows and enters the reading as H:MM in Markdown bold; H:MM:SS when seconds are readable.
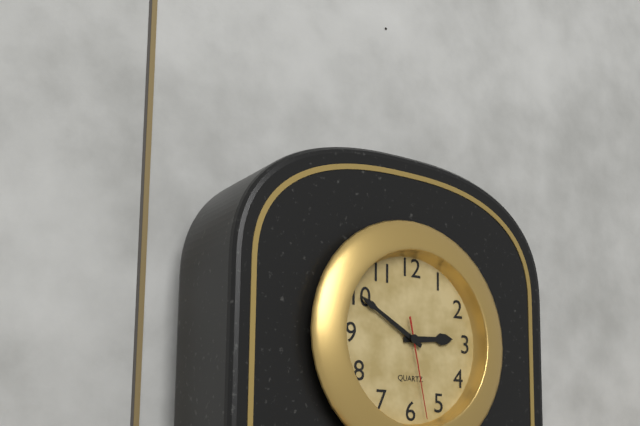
**2:50:28**
